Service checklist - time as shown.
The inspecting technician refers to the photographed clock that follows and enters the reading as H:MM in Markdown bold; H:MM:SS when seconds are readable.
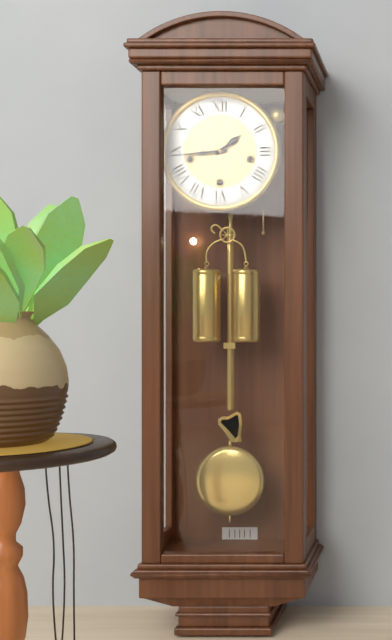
**1:44**
